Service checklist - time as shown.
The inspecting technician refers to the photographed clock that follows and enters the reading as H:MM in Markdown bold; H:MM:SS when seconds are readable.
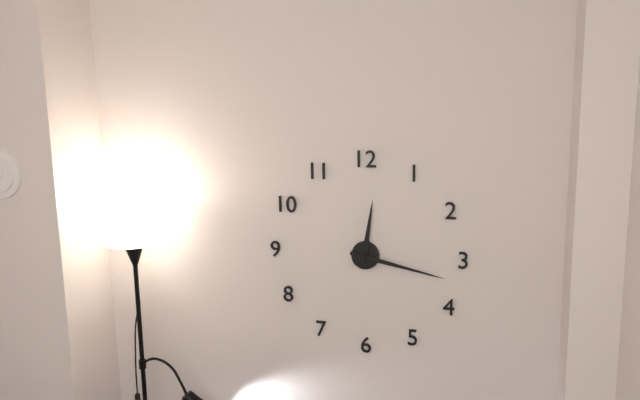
**12:17**
